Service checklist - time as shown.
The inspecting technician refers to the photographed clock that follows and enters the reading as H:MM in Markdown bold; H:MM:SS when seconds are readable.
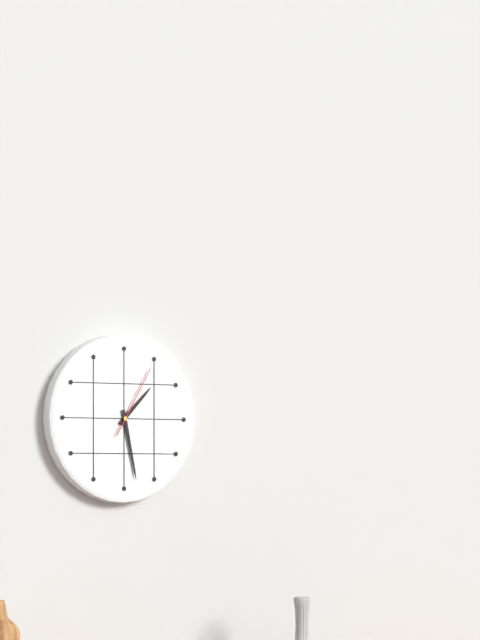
**1:28:05**
